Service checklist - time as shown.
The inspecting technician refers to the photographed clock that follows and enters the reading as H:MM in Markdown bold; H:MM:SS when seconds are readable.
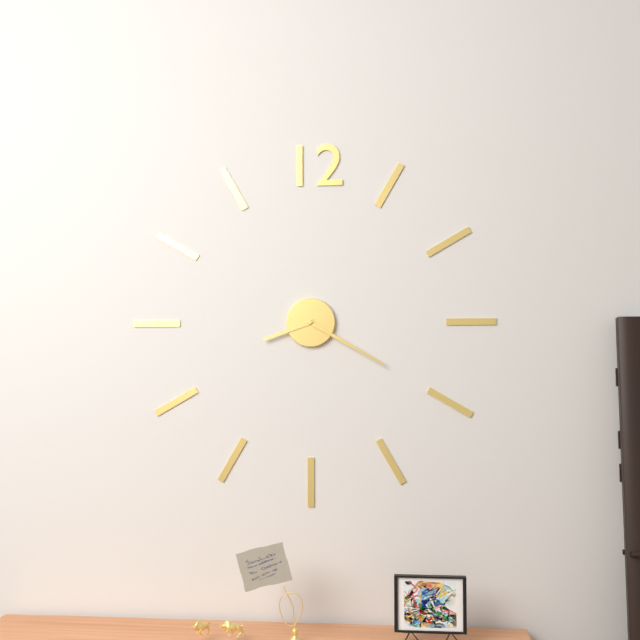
**8:20**
